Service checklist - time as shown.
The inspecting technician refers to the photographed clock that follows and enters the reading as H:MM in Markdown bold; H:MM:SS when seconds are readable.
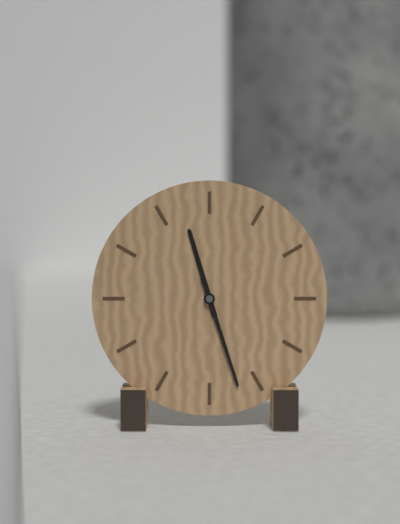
**11:27**
